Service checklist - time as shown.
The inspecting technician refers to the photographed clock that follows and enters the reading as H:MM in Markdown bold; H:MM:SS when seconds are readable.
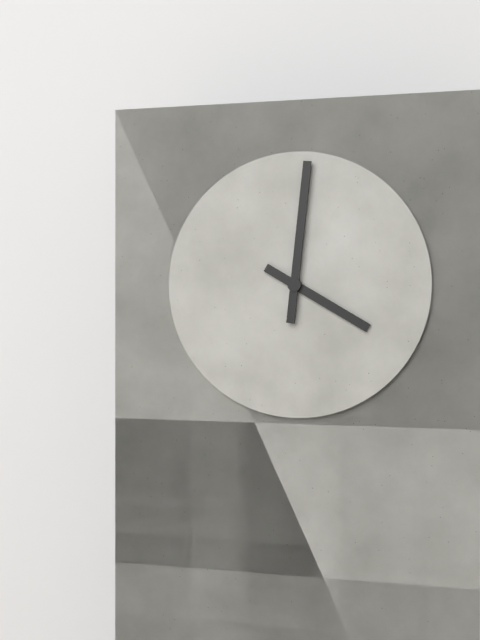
**4:01**
